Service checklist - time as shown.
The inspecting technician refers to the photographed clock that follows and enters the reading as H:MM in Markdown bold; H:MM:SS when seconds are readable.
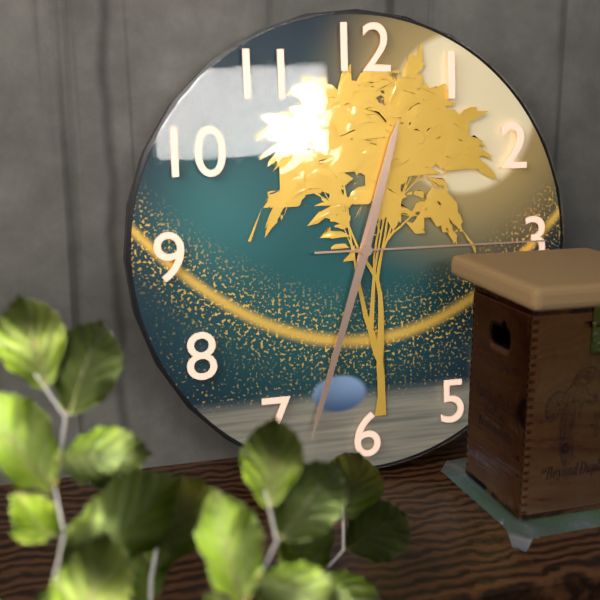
**12:33:15**
